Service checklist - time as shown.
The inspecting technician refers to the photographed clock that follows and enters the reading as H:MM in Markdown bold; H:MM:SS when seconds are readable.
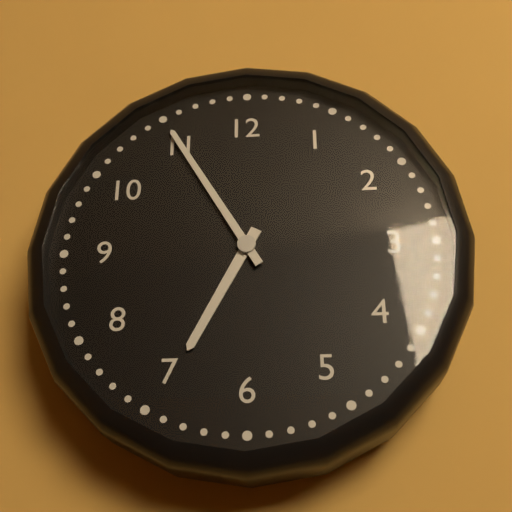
**6:55**
